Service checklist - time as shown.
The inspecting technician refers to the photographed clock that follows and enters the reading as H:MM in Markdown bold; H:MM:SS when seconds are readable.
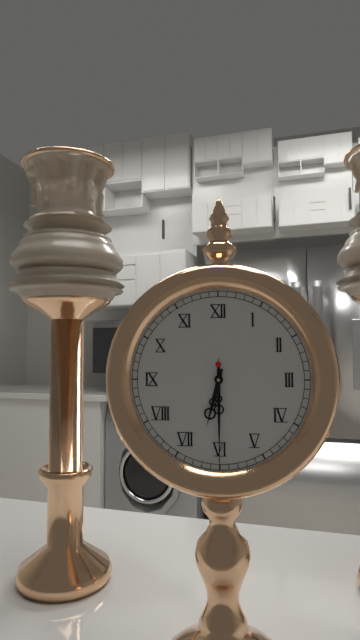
**6:30:30**
